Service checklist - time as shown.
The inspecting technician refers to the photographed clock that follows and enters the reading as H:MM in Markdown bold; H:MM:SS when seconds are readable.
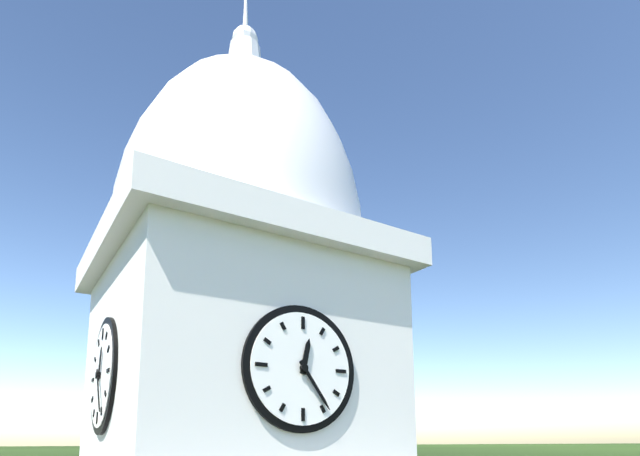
**12:24**
